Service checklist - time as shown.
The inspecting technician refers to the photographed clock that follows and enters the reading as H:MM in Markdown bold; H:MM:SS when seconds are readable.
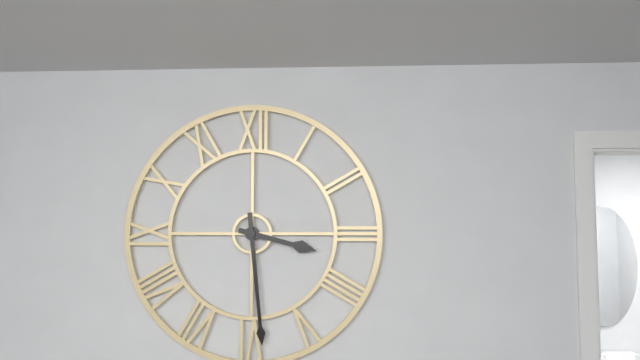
**3:29**
